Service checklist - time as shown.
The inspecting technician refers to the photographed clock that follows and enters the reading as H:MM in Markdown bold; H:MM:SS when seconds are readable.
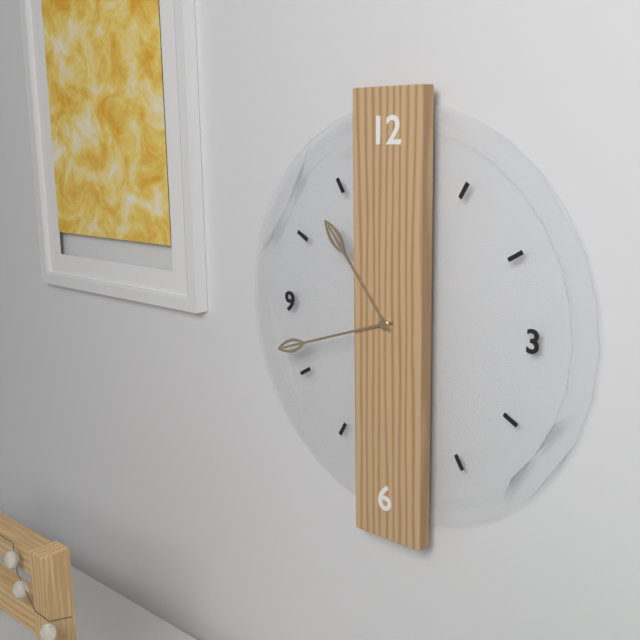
**10:42**
